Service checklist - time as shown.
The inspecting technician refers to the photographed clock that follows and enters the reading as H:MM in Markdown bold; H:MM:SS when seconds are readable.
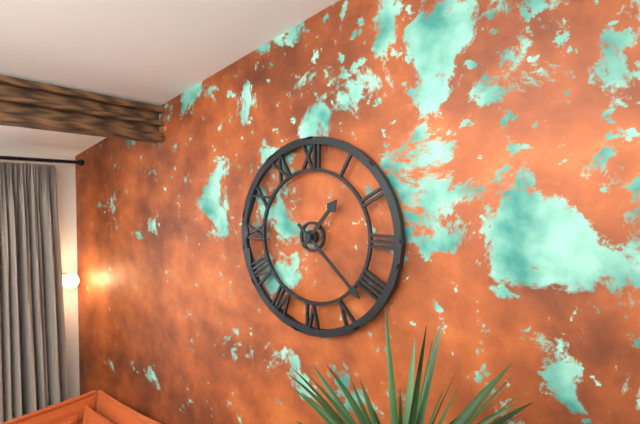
**1:22**
